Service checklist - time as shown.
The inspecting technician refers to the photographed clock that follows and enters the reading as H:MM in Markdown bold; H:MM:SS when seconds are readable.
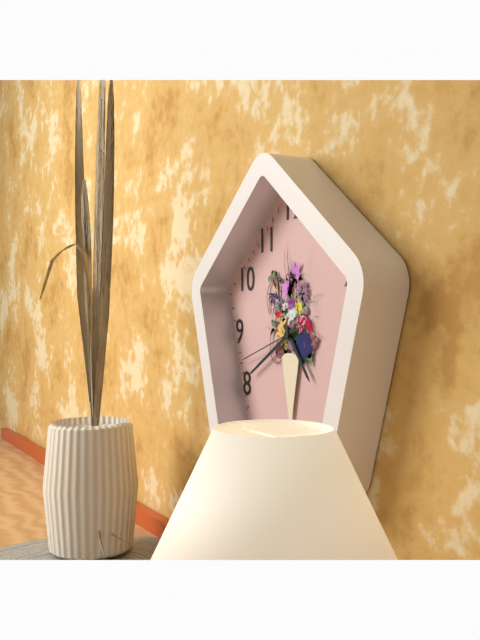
**4:40:42**
